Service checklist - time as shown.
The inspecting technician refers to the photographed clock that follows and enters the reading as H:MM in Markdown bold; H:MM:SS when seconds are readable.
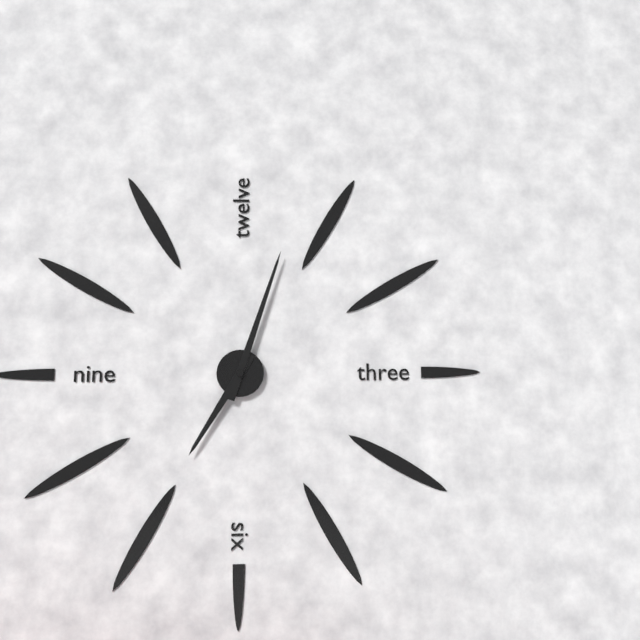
**7:03**
